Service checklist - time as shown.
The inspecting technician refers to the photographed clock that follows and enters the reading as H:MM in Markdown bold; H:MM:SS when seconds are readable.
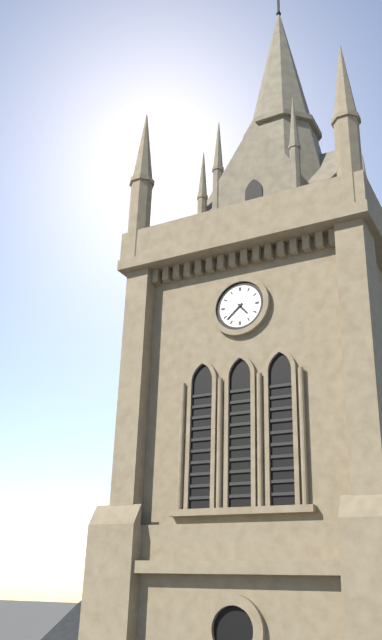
**4:38**
